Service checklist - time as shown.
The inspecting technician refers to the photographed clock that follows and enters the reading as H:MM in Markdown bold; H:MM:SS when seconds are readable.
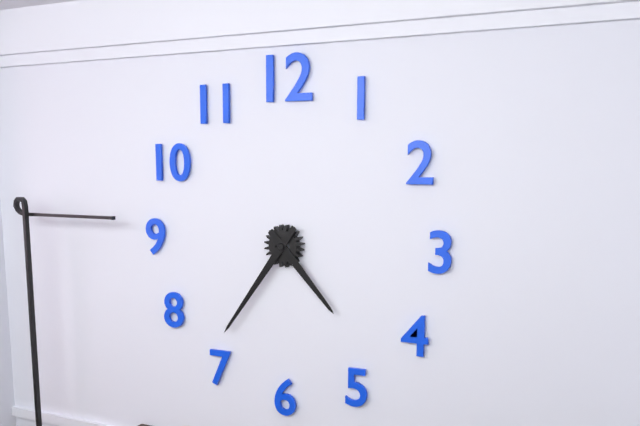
**4:36**
